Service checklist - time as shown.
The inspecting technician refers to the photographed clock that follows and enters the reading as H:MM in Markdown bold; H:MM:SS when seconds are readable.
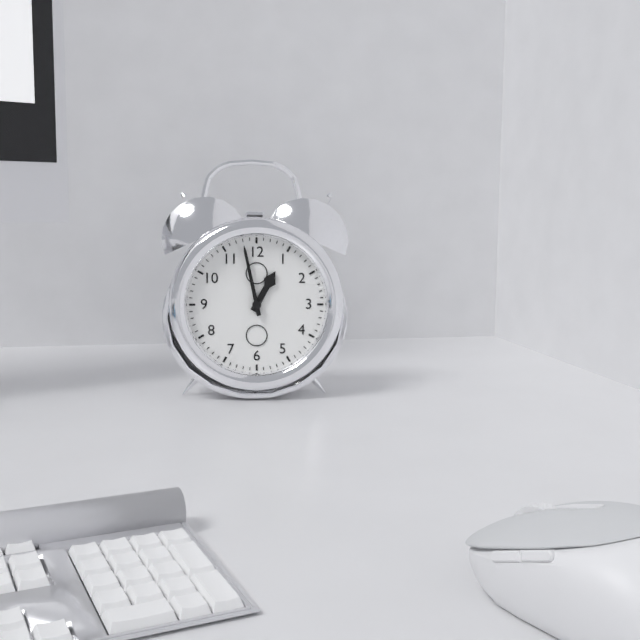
**12:58**
